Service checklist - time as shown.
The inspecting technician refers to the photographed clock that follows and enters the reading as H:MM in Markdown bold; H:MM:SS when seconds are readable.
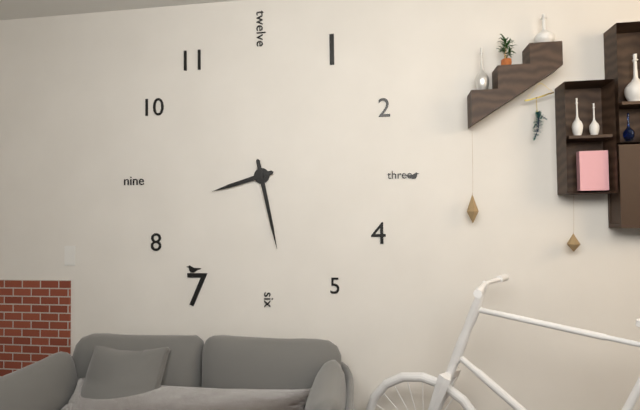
**8:28**
